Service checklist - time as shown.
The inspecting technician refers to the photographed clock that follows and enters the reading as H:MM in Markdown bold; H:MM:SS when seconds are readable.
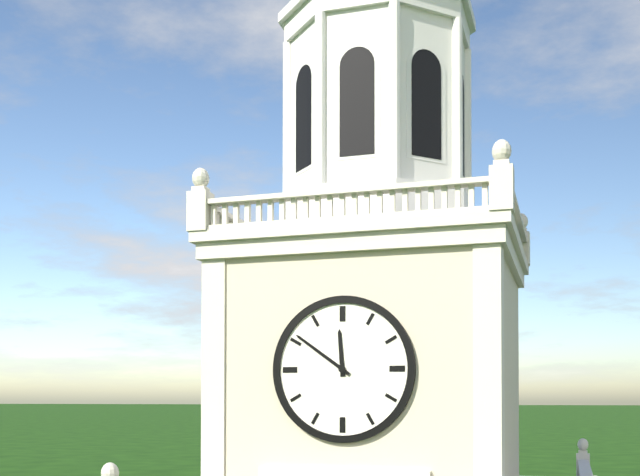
**11:51**
